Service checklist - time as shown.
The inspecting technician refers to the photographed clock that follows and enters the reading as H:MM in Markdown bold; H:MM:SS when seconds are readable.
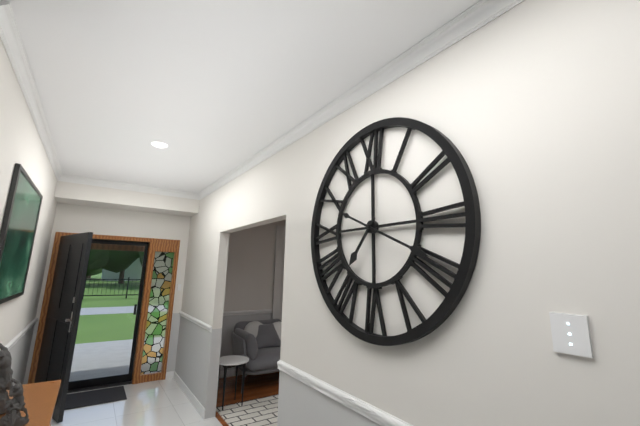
**7:19**
